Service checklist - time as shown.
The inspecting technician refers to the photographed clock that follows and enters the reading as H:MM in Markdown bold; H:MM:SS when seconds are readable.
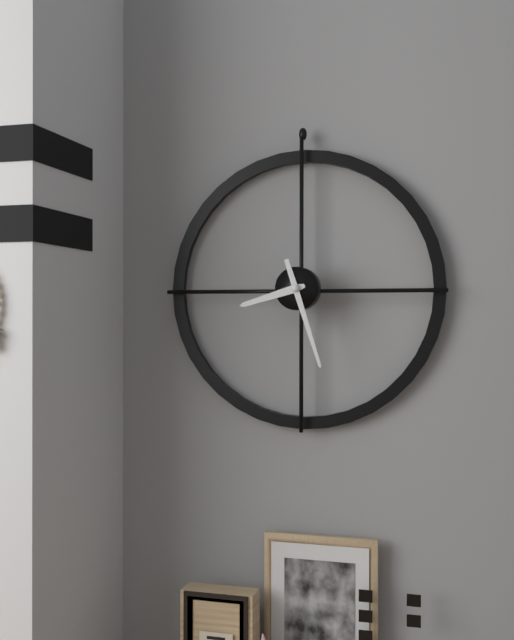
**8:27**
